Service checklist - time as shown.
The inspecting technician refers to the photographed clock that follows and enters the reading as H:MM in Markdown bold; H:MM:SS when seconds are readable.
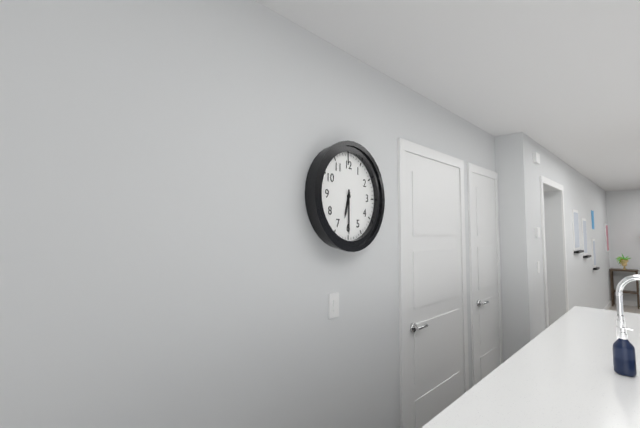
**6:30**
